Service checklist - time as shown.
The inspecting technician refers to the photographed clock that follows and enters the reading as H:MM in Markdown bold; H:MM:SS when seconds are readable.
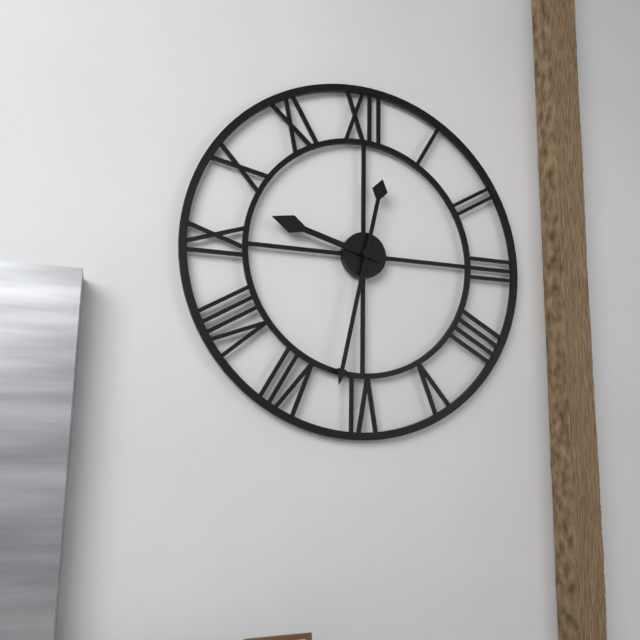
**9:32**
